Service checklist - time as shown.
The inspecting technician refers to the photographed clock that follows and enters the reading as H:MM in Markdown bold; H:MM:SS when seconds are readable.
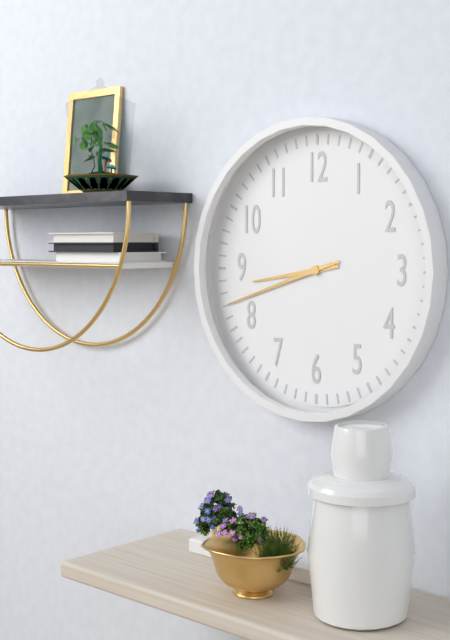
**8:42**
